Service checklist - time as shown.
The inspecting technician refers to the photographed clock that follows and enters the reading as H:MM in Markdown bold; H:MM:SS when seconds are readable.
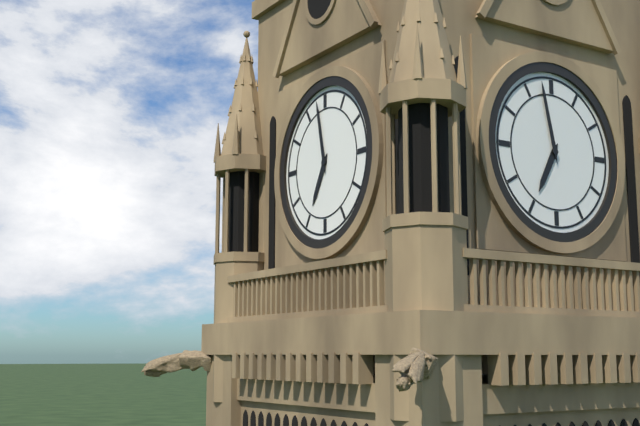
**6:58**
